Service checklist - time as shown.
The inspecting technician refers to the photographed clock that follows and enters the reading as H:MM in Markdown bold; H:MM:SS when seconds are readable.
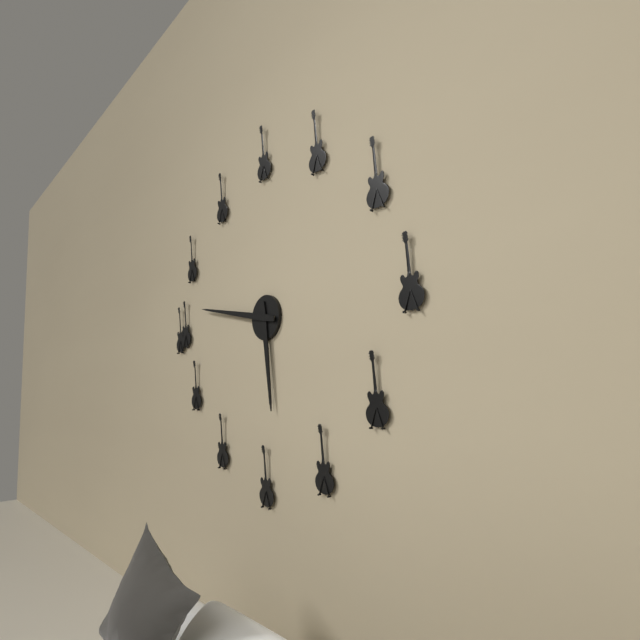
**5:47**
